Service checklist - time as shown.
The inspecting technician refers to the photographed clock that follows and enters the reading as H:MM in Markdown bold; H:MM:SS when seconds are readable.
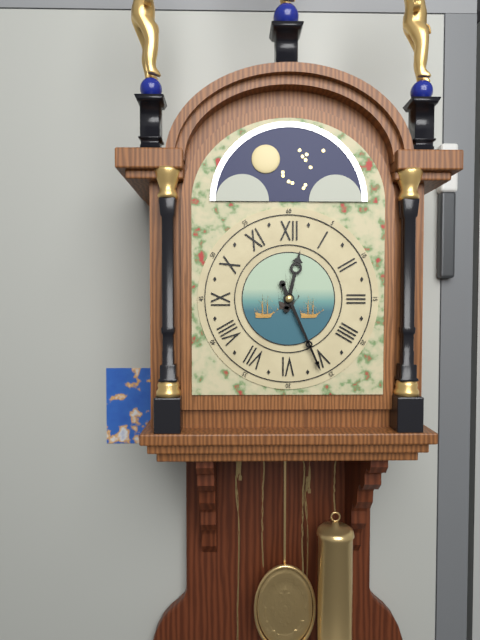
**12:26**
